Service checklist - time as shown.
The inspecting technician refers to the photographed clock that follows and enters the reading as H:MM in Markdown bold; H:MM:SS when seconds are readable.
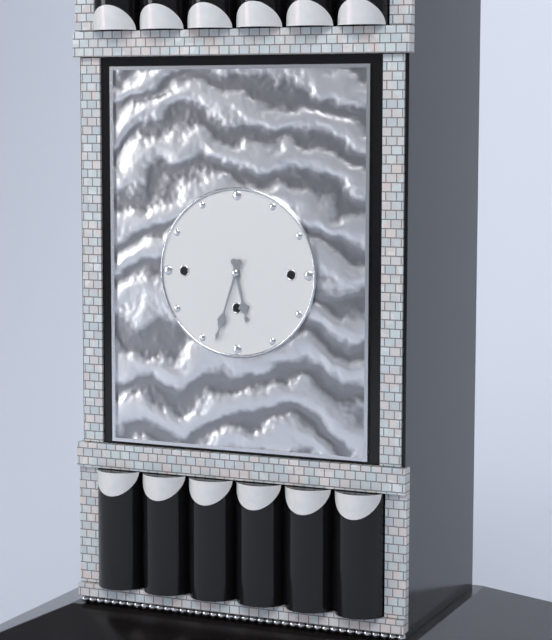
**5:33**
